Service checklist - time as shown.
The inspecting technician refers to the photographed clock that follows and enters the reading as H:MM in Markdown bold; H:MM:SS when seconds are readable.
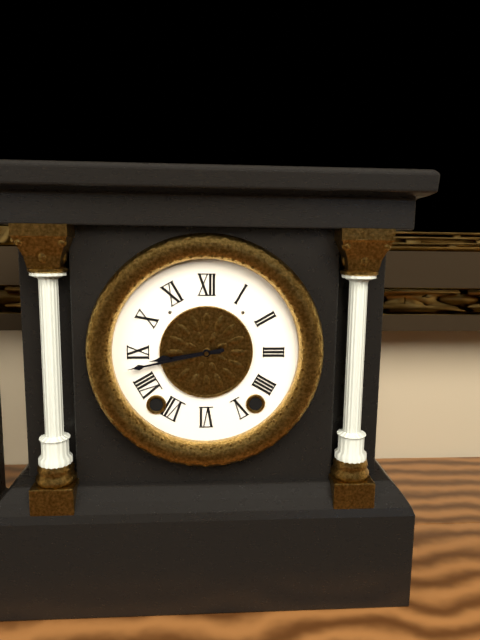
**8:43**
